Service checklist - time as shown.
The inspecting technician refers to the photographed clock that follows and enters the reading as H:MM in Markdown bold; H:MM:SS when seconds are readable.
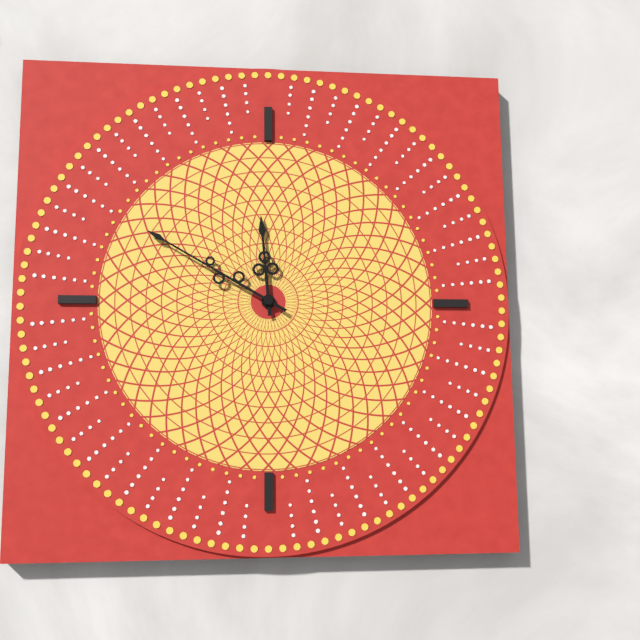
**11:50**
